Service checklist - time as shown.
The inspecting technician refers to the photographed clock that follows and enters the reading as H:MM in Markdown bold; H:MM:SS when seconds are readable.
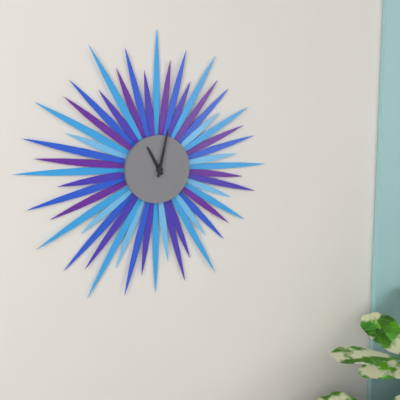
**11:02**
